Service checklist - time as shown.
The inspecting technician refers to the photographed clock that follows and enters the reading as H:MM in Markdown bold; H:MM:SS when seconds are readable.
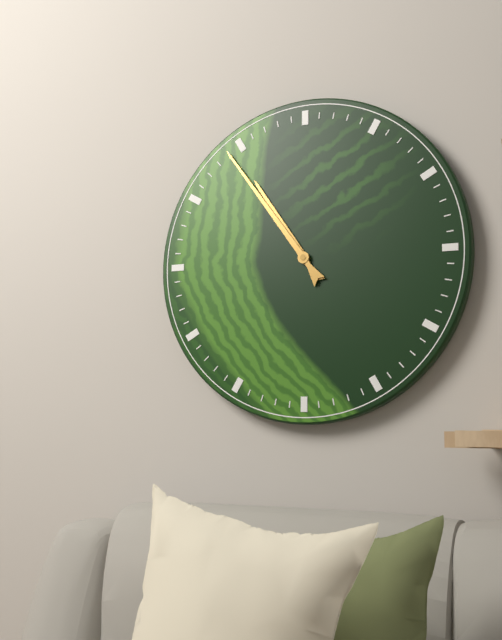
**10:54**
